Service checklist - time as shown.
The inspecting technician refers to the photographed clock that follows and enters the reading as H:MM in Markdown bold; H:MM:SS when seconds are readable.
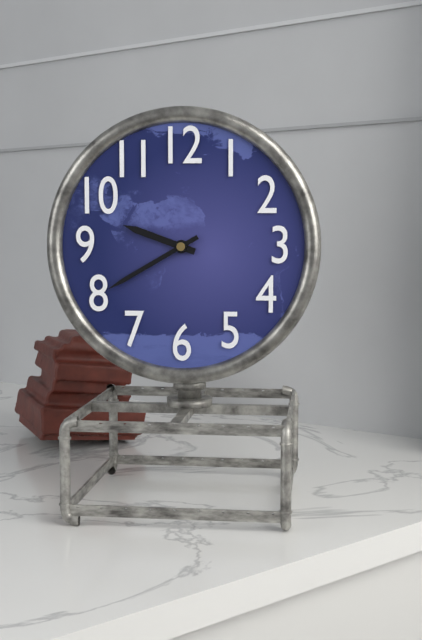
**9:40**
